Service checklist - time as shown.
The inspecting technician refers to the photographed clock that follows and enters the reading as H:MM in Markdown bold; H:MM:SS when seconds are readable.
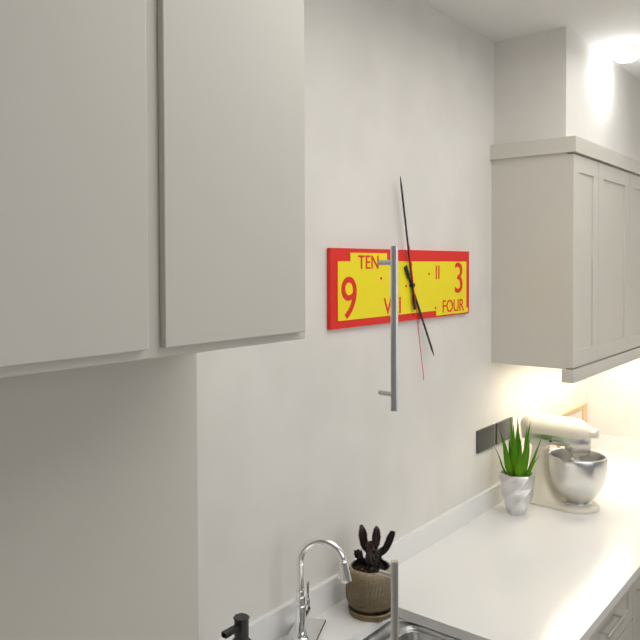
**4:58:28**
